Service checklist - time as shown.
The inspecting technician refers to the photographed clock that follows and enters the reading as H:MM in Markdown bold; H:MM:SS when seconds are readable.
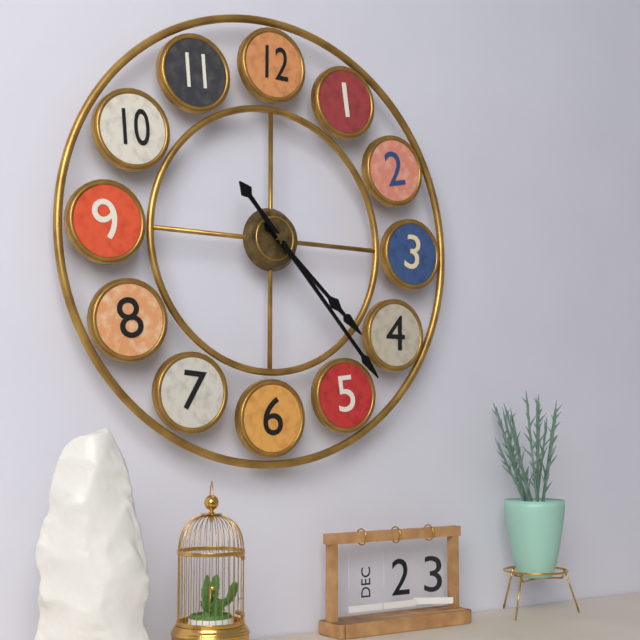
**4:23**
